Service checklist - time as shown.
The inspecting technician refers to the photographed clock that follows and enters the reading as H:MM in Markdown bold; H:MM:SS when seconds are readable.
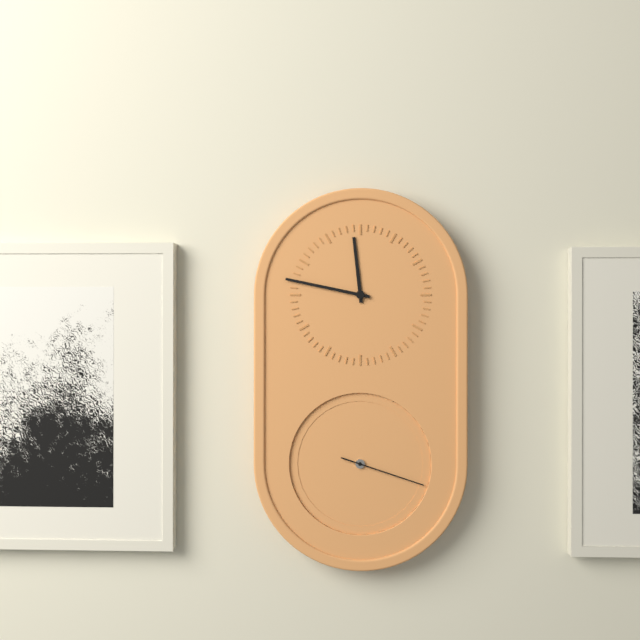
**11:47:18**
